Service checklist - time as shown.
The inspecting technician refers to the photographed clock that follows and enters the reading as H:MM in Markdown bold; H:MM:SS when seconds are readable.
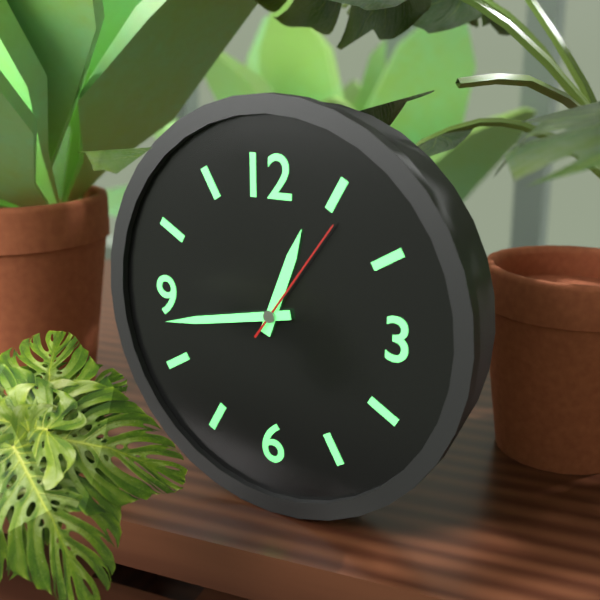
**12:43:06**
